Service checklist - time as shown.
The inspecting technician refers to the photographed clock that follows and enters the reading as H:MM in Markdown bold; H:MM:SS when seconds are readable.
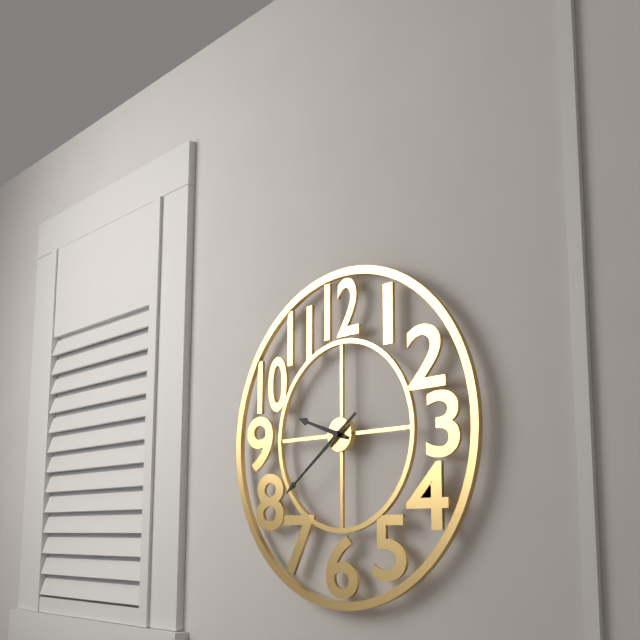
**9:39**
